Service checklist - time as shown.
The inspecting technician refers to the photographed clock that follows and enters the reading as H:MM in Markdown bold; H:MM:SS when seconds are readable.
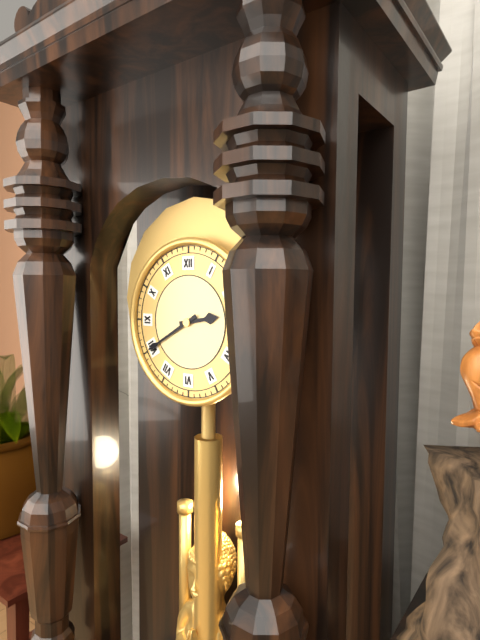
**2:40**
